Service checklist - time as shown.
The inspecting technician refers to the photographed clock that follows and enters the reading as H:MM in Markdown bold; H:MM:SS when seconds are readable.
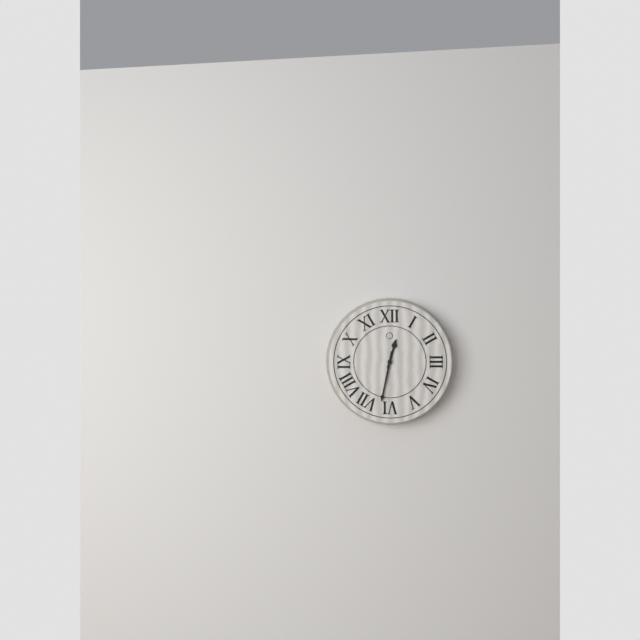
**12:32**
